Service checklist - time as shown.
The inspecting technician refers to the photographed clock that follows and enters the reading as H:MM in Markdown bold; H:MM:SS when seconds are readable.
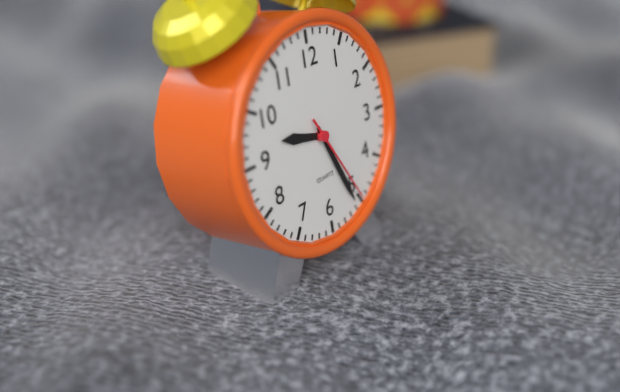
**9:26:25**
